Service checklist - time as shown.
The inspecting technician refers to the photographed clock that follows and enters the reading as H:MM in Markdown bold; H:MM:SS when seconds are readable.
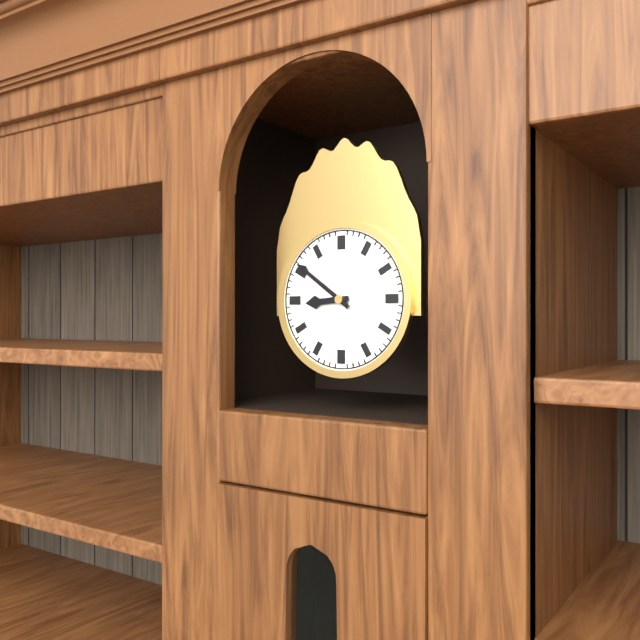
**8:51**
